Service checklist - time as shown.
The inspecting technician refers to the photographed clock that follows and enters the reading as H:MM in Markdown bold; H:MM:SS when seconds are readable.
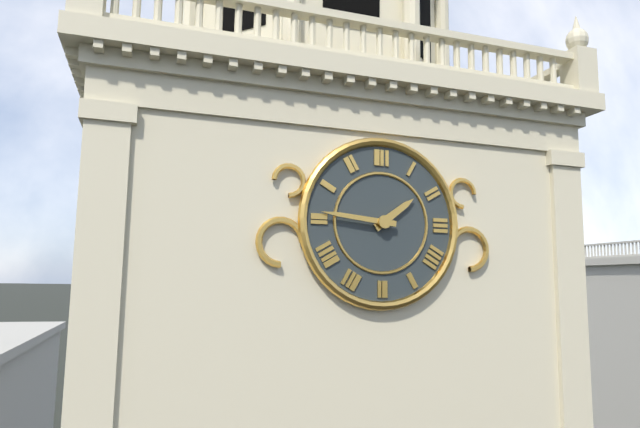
**1:46**
